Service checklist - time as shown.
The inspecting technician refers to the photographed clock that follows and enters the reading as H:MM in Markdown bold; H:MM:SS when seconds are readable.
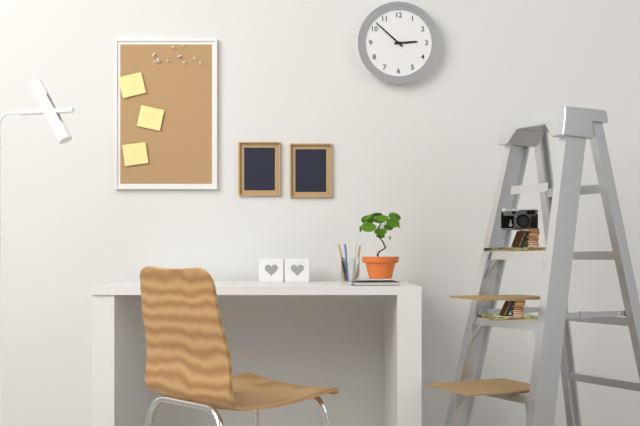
**2:52**
